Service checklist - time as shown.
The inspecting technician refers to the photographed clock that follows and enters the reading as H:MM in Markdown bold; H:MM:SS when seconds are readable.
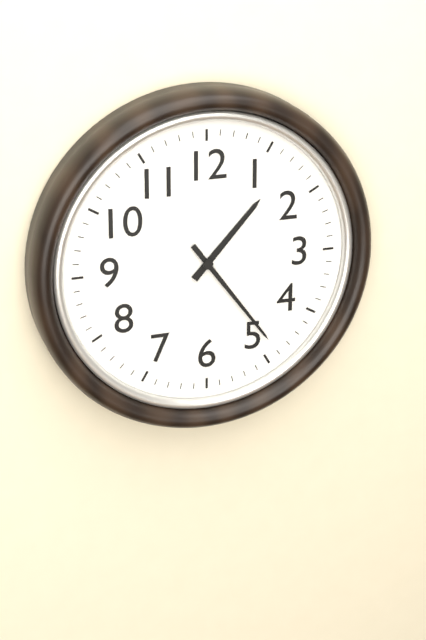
**1:24**
